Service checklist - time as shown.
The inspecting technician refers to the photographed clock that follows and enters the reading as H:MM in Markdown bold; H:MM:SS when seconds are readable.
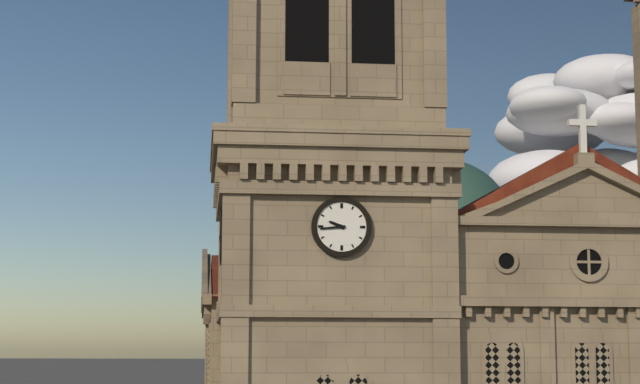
**9:44**
